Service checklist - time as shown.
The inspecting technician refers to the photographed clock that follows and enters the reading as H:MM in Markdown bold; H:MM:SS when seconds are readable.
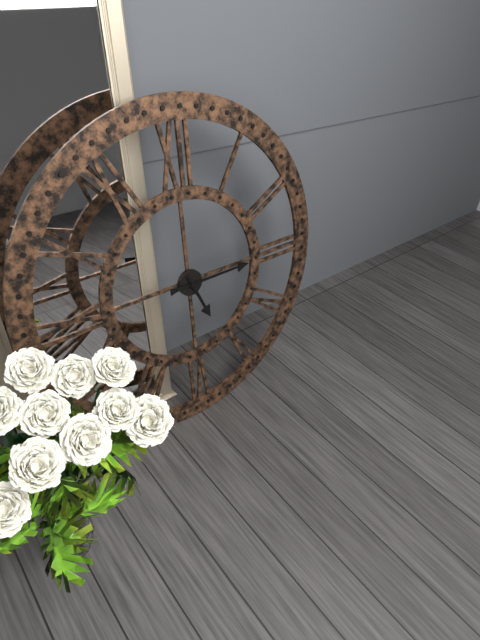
**5:15**
